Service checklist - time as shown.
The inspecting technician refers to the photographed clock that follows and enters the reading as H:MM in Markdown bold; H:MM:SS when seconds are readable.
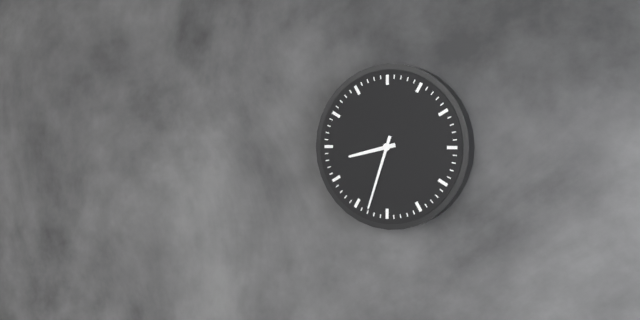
**8:33**
